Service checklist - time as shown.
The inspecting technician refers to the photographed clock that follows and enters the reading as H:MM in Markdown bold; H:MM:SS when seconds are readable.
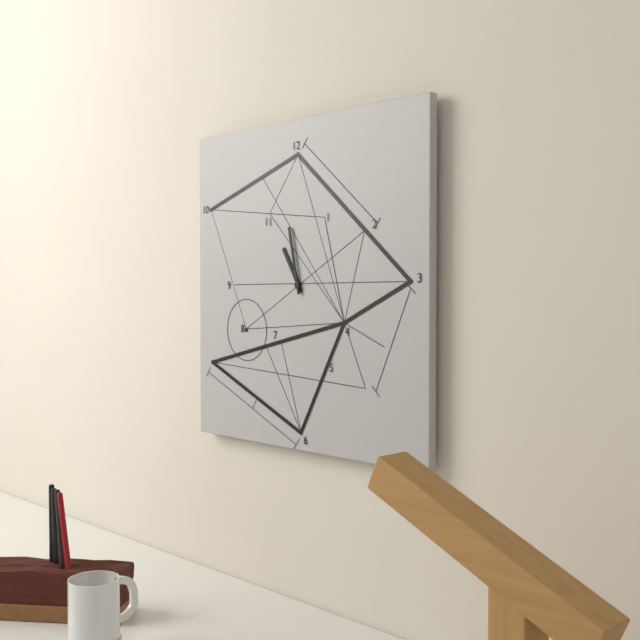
**10:58**
